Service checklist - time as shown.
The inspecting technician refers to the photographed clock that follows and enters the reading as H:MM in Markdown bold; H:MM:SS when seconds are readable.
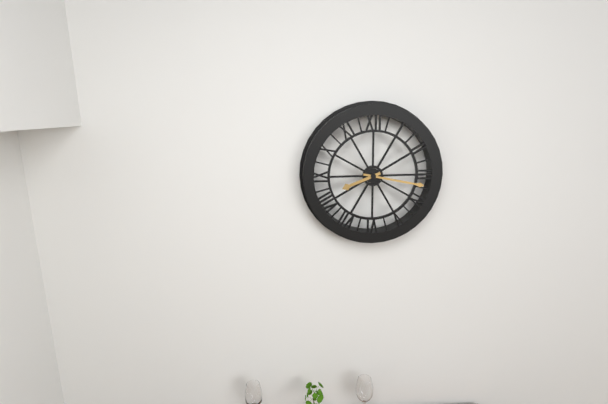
**8:17**
